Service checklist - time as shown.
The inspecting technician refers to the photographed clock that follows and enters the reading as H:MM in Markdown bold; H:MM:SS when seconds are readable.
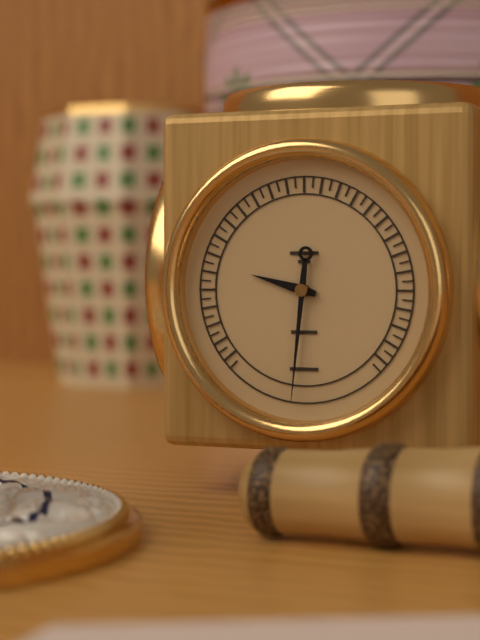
**9:31**
